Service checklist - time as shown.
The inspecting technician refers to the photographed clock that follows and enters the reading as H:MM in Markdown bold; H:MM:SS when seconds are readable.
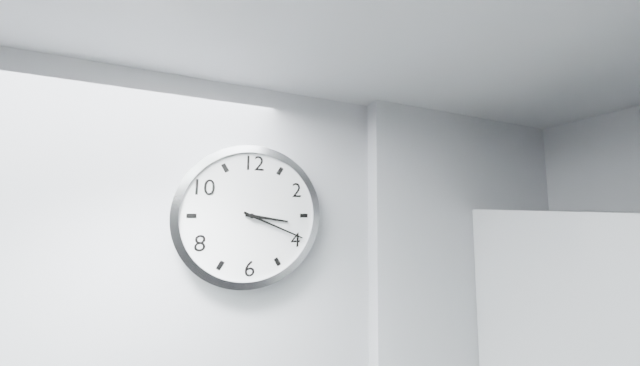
**3:19**
